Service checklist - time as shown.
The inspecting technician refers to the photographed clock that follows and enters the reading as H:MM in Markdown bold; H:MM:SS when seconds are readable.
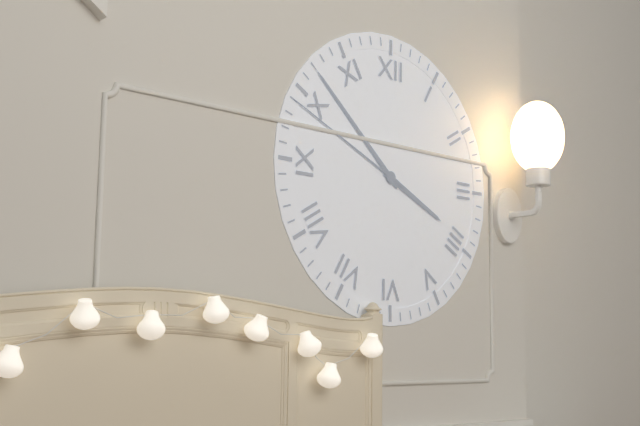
**3:52:49**
